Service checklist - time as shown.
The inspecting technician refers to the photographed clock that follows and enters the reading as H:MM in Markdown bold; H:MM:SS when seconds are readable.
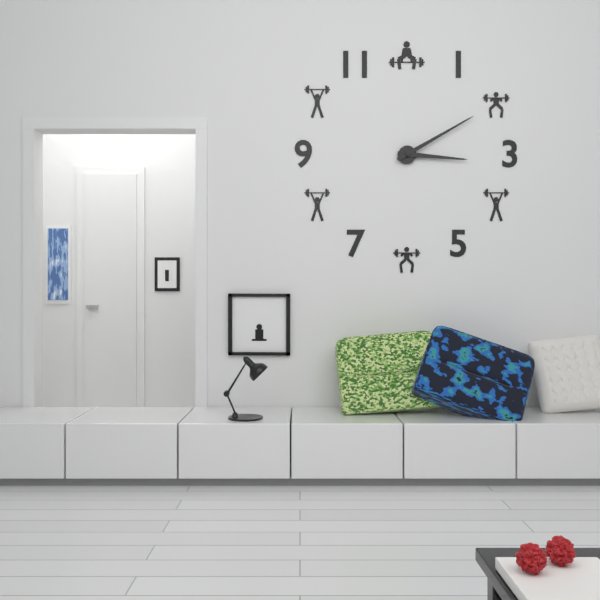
**3:10**
